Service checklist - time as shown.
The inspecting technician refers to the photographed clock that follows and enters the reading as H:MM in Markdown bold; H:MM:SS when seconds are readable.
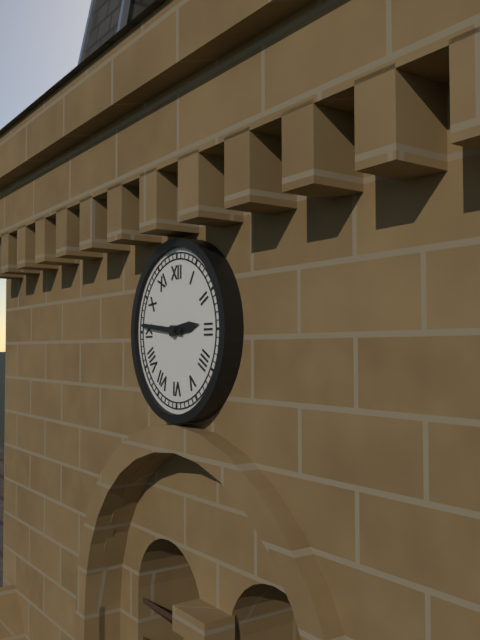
**2:46**
